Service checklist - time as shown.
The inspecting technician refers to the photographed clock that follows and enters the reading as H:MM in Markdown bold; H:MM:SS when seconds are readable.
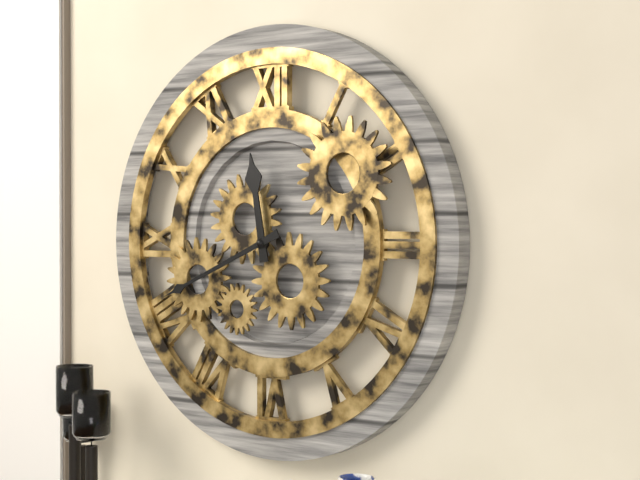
**11:41**
